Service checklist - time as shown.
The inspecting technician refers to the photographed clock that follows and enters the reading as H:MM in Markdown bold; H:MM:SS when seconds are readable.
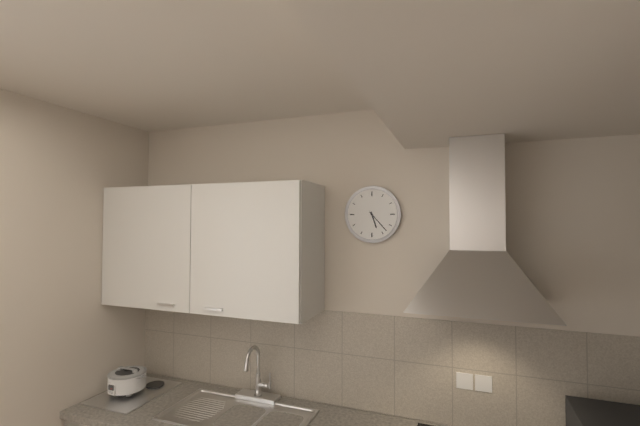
**5:23**
